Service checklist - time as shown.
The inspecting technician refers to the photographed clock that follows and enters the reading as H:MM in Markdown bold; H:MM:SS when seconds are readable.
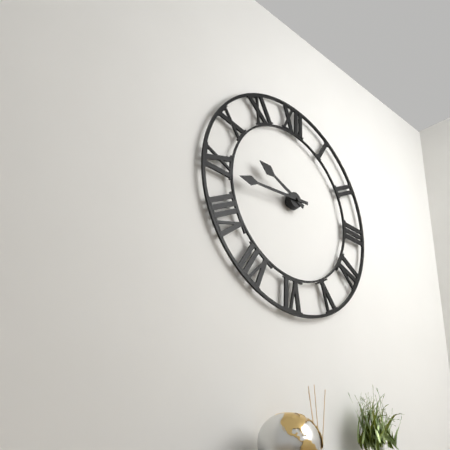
**9:44**
